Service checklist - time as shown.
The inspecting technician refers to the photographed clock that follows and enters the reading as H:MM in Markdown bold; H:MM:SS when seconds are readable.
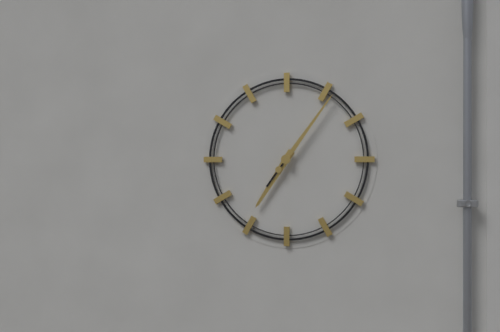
**7:06**
